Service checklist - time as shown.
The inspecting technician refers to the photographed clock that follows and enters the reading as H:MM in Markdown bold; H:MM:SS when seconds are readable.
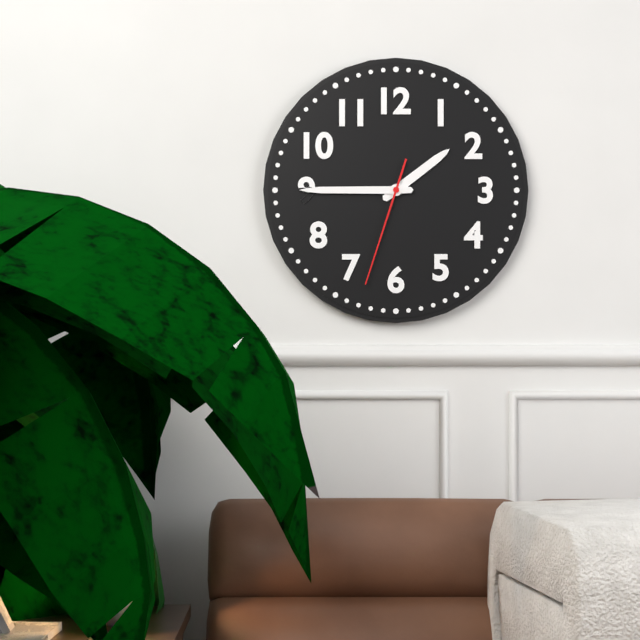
**1:45:33**
